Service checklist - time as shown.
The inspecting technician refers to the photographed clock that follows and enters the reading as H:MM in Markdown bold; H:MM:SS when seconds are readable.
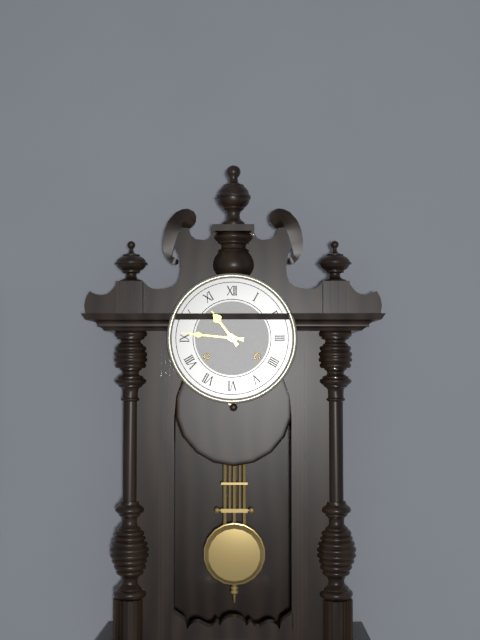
**10:46**
